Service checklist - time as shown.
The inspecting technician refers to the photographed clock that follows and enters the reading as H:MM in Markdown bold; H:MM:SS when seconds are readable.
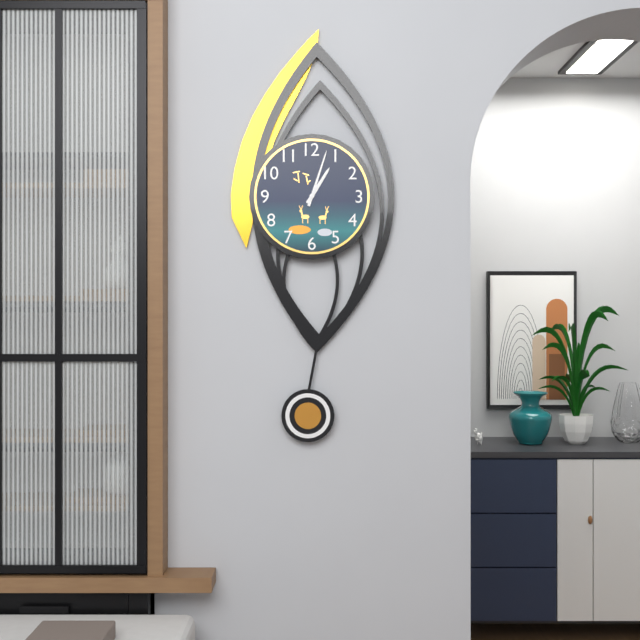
**1:03**
